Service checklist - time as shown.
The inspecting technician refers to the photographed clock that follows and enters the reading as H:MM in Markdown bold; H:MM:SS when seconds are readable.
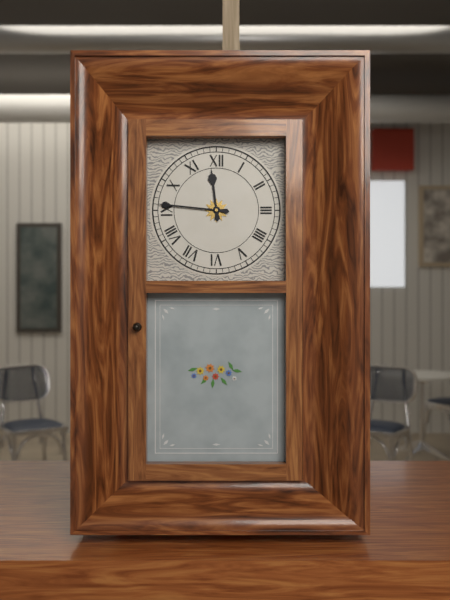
**11:46**
